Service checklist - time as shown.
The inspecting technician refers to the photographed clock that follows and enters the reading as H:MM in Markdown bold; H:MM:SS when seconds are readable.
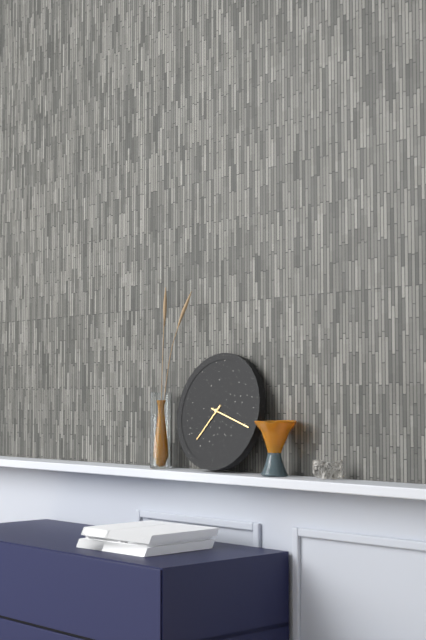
**7:18**
